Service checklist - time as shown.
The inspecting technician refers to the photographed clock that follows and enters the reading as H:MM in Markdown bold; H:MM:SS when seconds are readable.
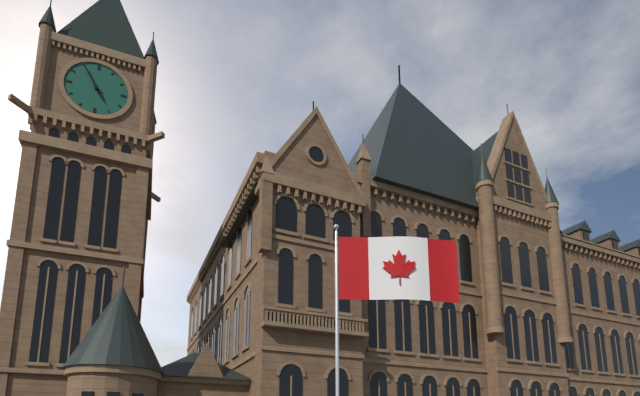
**4:55**
